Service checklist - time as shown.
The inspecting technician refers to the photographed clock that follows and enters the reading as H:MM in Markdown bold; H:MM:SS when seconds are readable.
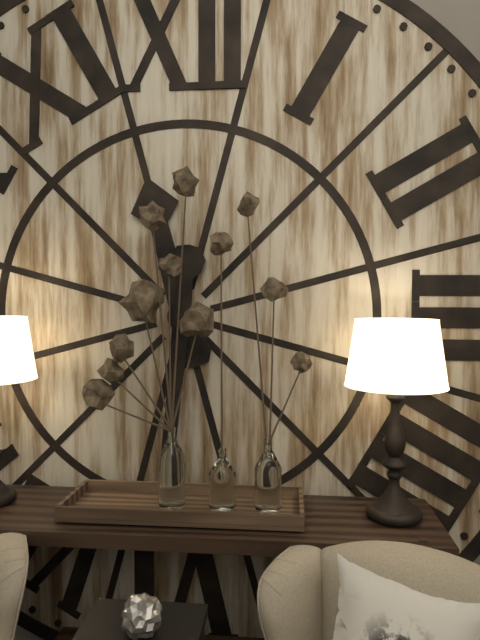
**11:31**
